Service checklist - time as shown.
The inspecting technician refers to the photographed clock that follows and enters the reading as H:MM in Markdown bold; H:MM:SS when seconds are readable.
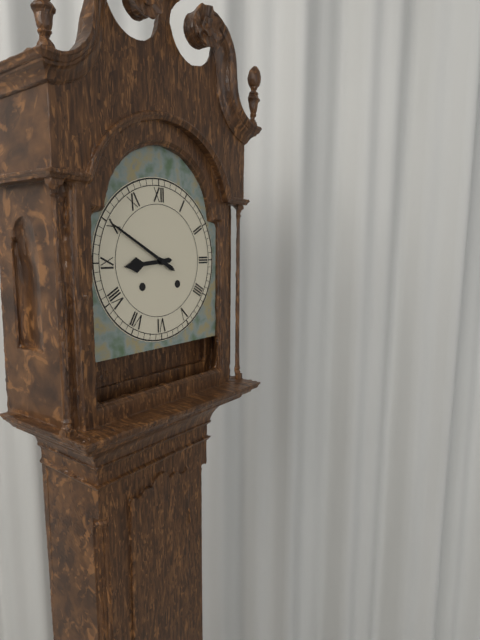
**8:50**
